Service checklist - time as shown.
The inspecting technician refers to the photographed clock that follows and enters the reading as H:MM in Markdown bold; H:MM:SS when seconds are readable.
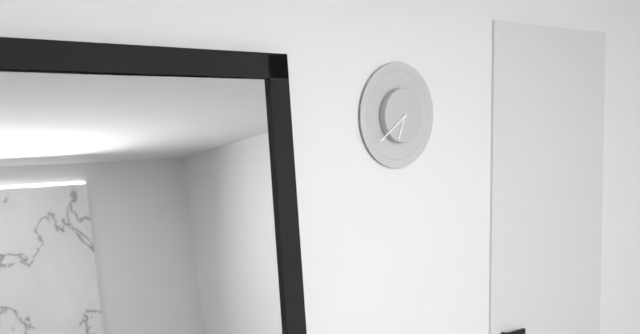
**6:39**
